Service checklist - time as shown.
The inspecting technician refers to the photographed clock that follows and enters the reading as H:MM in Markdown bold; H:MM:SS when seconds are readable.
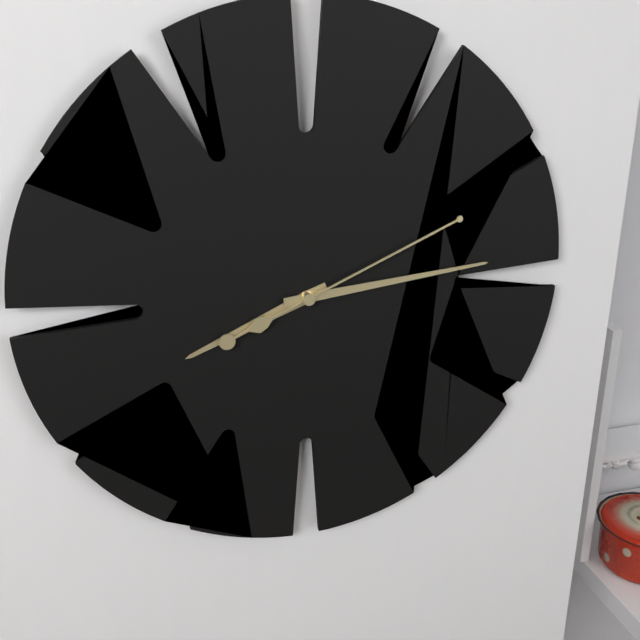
**8:14:11**
